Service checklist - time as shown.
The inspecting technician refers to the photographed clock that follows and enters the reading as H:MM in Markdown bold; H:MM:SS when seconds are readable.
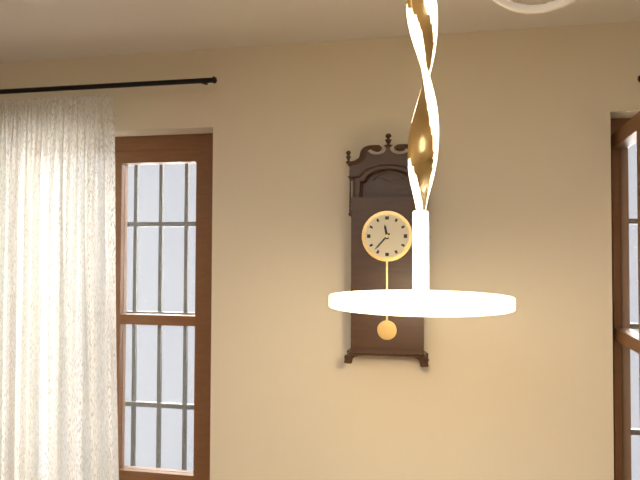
**11:37**
